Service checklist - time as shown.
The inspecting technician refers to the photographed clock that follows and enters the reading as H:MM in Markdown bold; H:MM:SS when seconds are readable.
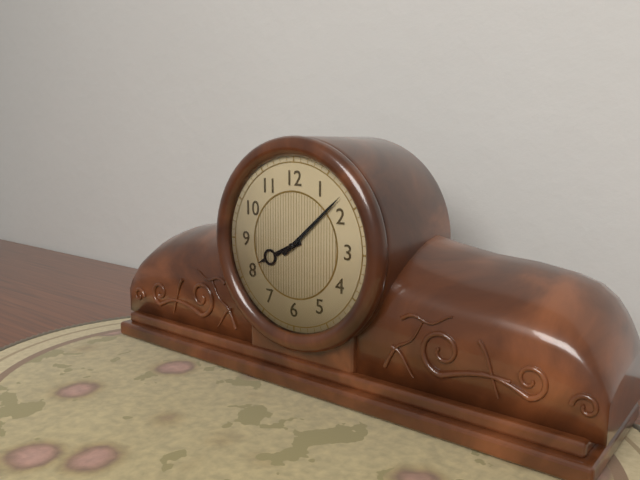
**8:08**
